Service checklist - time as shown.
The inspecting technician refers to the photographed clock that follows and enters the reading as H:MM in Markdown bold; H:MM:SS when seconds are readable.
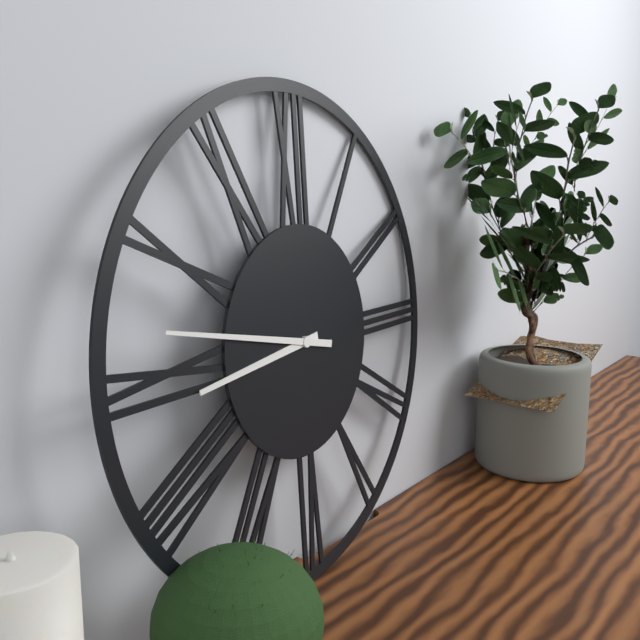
**8:47**
